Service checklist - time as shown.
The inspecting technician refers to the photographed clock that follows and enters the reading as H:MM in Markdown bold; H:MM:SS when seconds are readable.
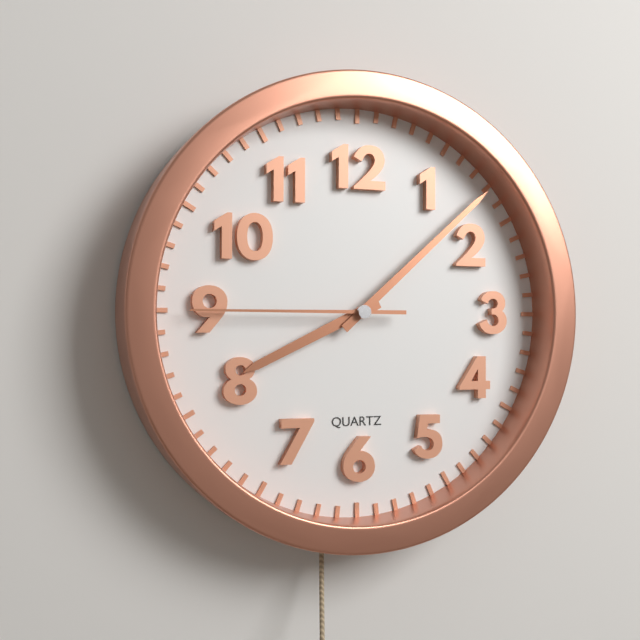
**8:08:45**
